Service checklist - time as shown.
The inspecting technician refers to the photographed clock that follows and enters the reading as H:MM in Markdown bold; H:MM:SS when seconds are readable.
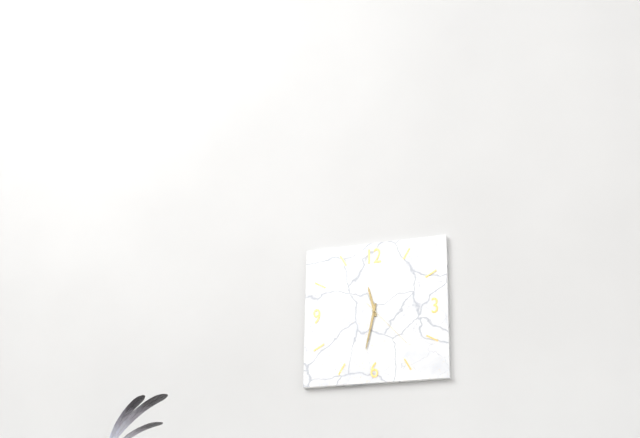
**11:32:23**
